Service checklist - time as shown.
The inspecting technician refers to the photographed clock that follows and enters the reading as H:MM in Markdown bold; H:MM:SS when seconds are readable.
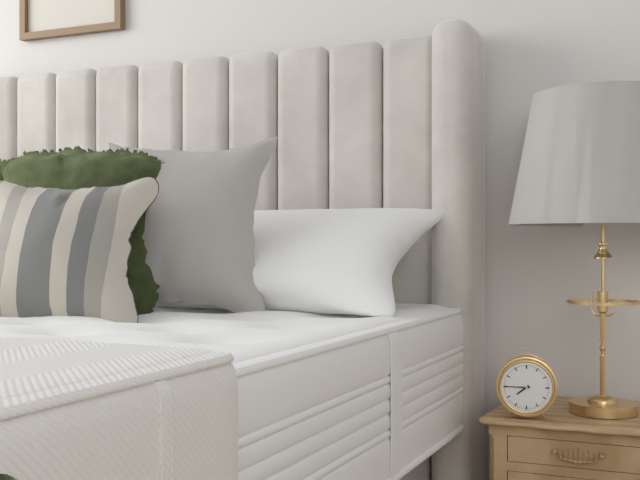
**7:45**
